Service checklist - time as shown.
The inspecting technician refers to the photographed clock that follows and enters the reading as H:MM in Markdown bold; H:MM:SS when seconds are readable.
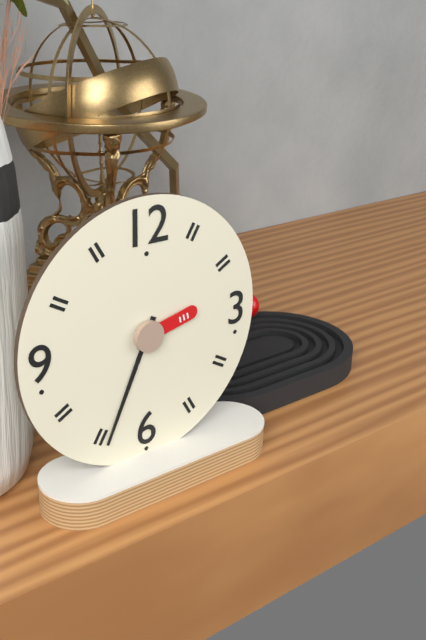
**2:34**
